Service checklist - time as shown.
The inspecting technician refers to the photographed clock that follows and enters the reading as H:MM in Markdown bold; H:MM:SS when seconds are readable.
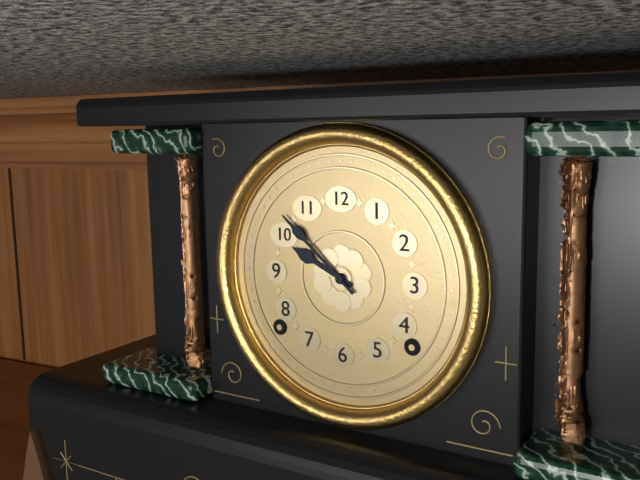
**9:52**
